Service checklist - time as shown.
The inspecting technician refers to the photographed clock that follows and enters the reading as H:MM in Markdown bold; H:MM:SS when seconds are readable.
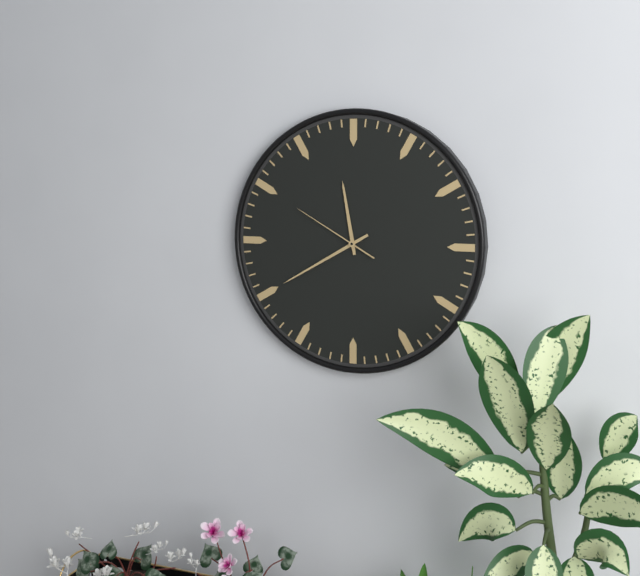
**11:40:50**
